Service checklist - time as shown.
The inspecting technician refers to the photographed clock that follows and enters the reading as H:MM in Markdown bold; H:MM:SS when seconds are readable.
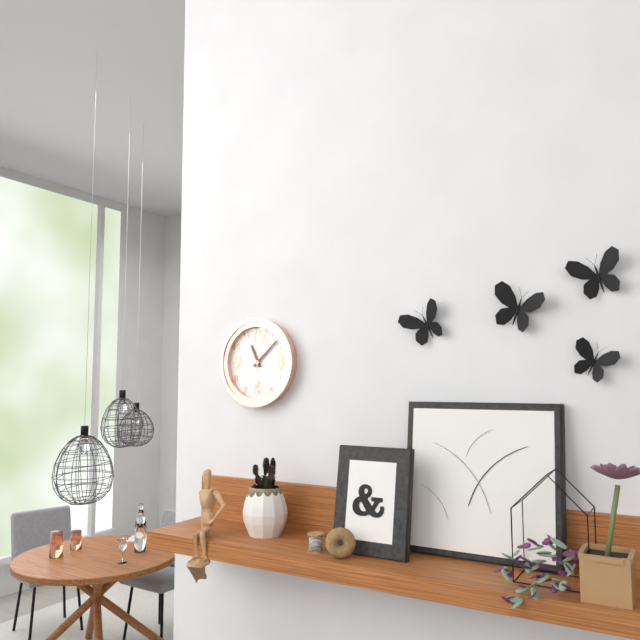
**11:08**
